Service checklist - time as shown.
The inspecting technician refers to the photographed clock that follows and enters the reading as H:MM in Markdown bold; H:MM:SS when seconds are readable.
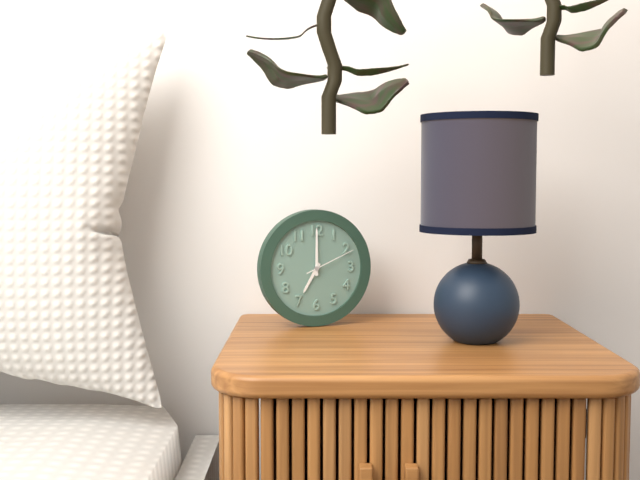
**7:00:11**
